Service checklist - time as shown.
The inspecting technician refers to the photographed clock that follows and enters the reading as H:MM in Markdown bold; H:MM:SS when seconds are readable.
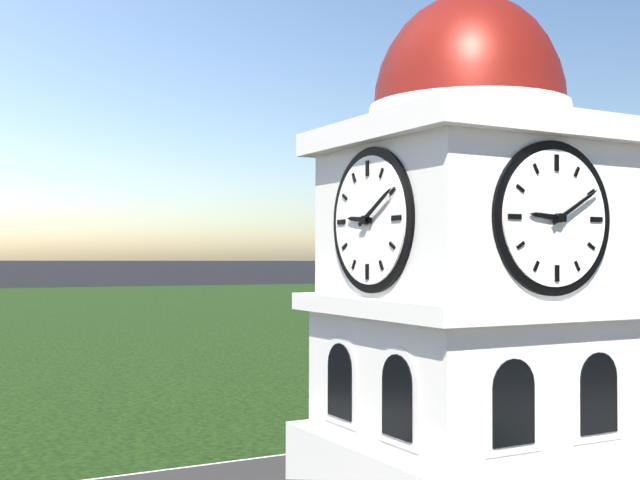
**9:10**
